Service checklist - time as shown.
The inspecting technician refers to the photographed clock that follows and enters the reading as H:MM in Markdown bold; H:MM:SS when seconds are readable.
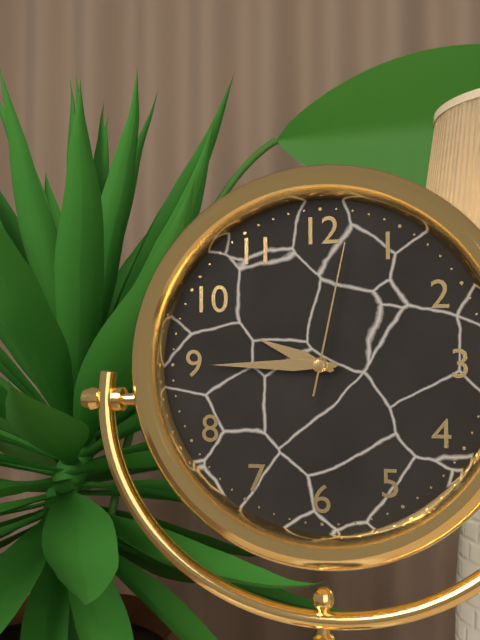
**9:45:02**
